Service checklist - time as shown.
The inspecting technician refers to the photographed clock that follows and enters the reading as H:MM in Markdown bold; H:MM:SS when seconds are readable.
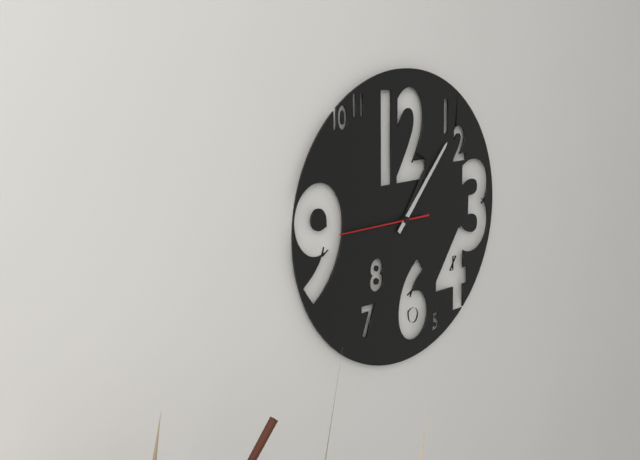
**1:07:45**
